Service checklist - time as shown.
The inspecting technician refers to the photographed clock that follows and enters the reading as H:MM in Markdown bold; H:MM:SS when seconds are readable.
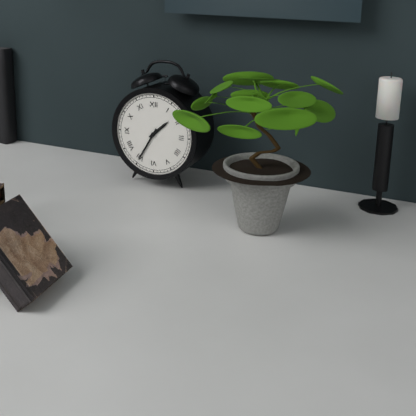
**1:35**
